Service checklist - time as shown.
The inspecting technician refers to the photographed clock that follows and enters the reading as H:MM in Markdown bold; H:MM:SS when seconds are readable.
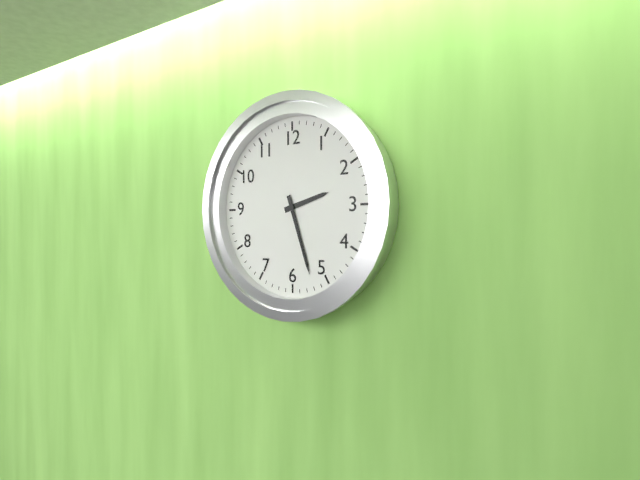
**2:27**
